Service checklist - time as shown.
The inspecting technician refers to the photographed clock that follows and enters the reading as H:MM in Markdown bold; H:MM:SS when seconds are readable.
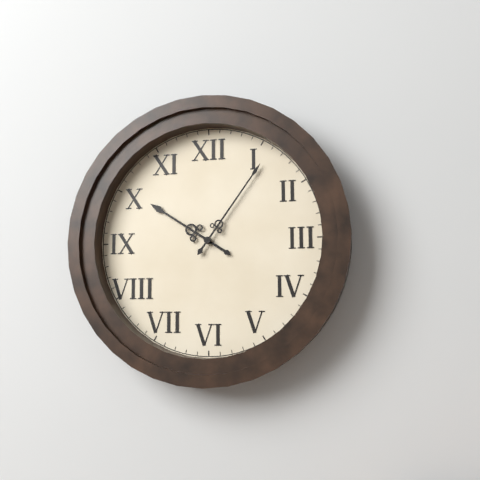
**10:06**
